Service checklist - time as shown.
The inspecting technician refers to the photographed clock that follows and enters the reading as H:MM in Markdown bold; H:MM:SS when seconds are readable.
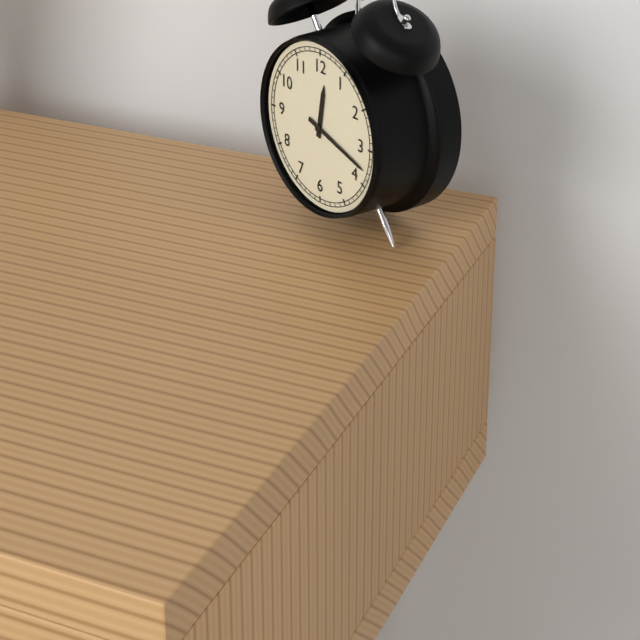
**12:18**
